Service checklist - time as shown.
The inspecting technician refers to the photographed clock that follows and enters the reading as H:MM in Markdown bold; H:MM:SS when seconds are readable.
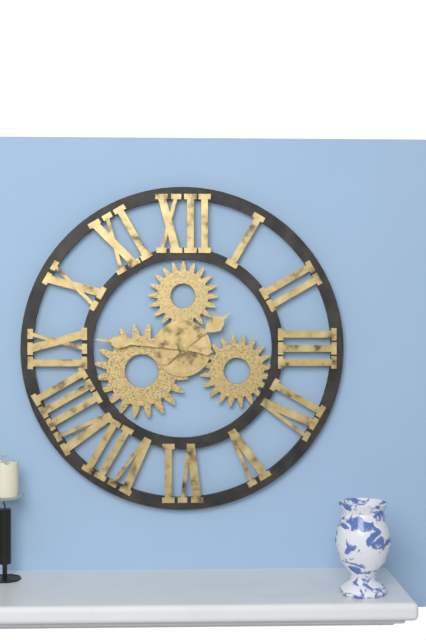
**1:46**
